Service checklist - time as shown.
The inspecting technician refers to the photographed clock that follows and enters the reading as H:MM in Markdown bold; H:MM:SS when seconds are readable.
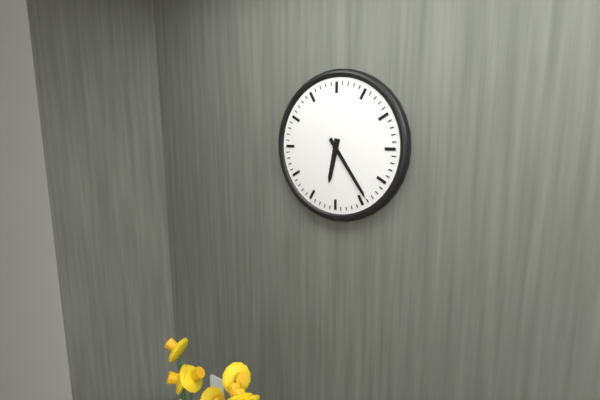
**6:24**
